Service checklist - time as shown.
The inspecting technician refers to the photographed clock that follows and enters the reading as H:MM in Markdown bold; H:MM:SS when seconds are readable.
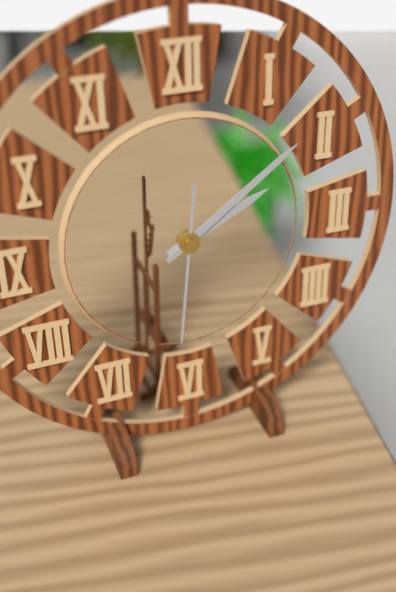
**2:09:31**
